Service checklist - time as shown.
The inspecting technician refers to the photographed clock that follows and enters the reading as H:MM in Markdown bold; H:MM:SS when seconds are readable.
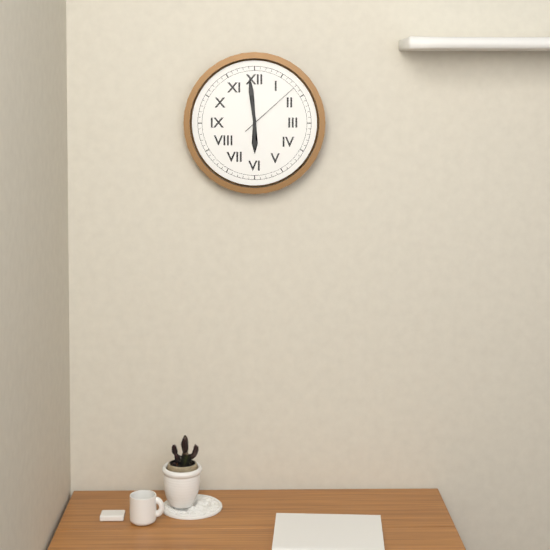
**5:59:08**
